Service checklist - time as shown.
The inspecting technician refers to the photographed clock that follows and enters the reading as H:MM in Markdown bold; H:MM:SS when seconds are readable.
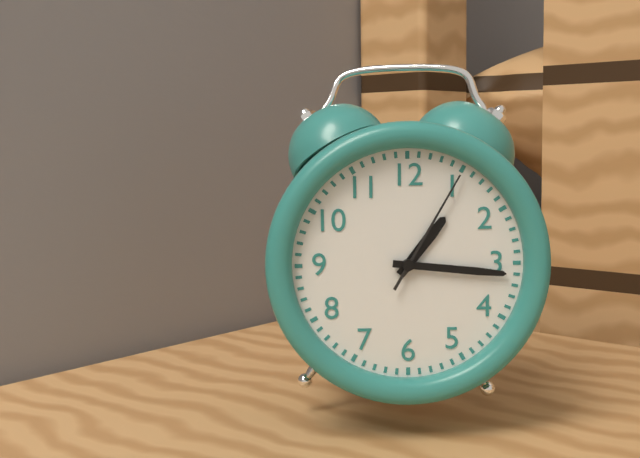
**1:16:05**
